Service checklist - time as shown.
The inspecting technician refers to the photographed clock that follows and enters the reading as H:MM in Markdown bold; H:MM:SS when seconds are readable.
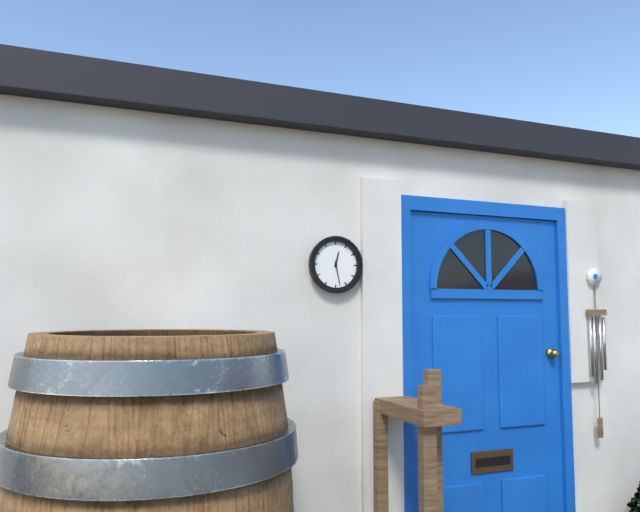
**12:28**
